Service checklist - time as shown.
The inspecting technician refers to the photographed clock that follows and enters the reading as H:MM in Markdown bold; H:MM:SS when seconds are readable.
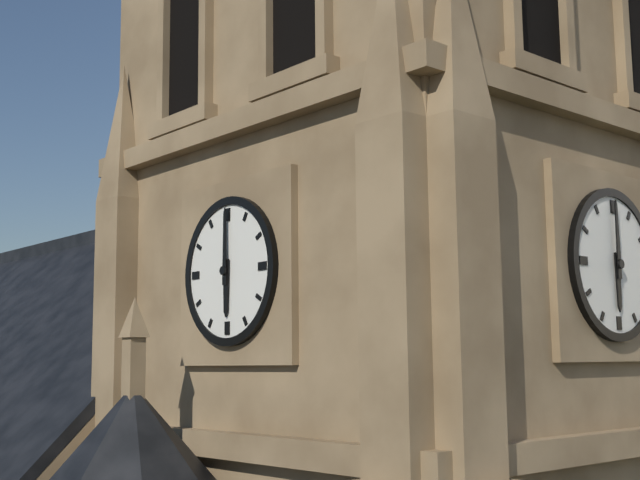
**6:00**
